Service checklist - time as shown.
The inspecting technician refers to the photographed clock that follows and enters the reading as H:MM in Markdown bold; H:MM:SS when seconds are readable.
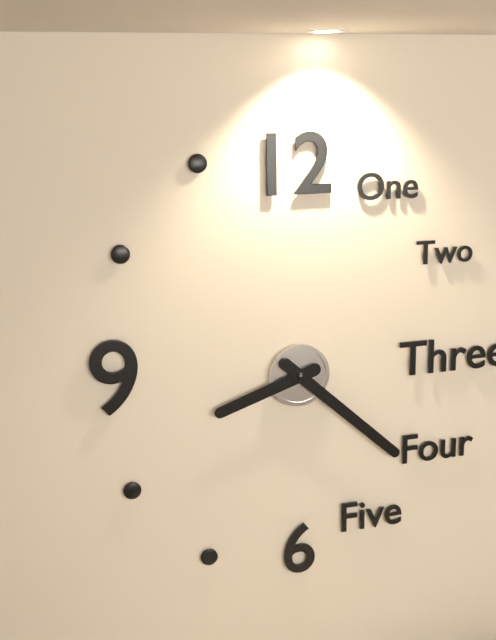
**8:22**
